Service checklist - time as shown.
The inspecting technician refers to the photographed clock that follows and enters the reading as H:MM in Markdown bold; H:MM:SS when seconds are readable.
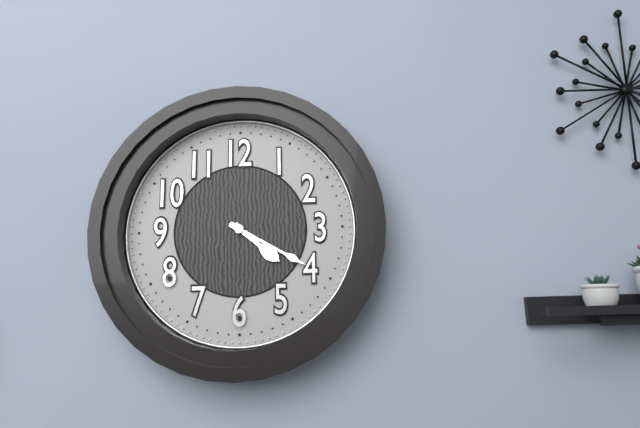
**4:20**
